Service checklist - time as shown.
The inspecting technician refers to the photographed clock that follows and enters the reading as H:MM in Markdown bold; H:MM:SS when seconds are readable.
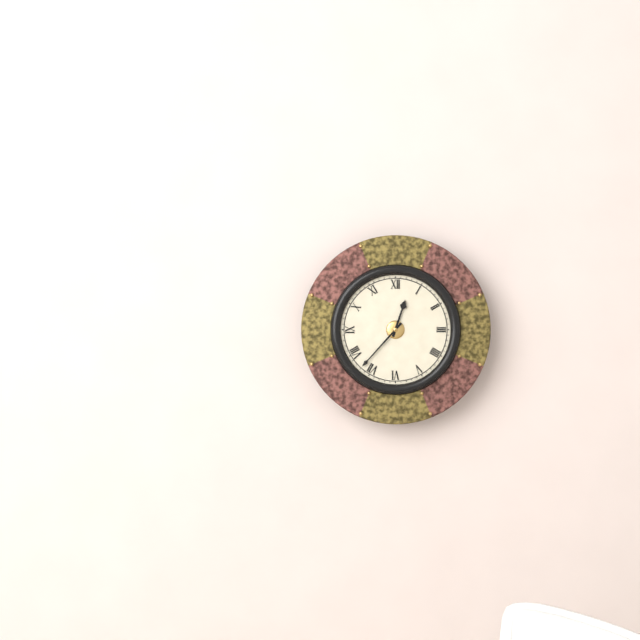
**12:37**
